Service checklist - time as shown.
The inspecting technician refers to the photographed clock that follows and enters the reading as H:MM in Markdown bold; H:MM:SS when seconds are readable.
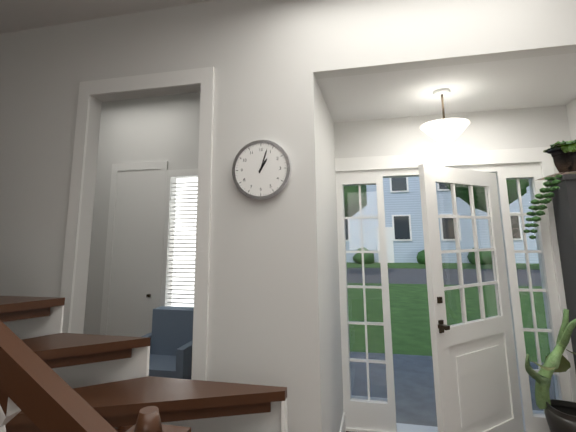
**1:03**
